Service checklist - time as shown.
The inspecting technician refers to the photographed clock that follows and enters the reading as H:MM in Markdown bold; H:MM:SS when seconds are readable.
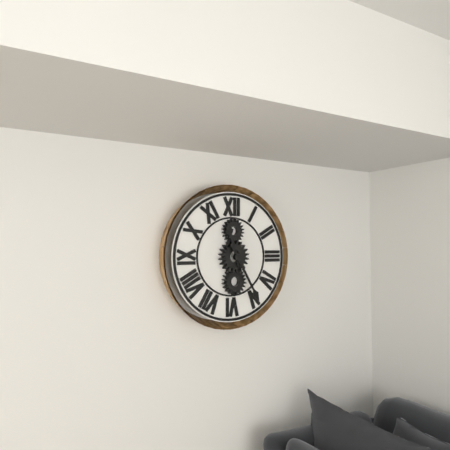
**11:25**
